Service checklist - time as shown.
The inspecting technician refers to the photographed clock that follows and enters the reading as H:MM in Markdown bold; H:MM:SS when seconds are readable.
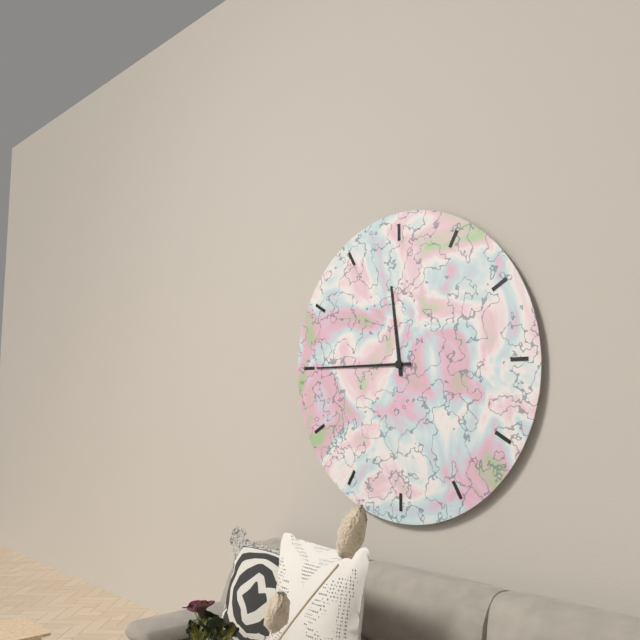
**11:45**
